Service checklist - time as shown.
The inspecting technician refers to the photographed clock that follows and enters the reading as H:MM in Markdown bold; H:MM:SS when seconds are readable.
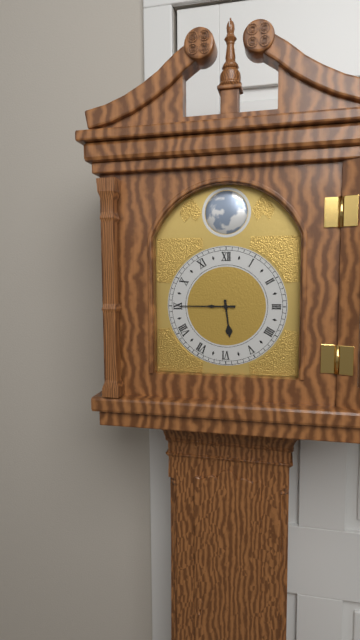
**5:45**
